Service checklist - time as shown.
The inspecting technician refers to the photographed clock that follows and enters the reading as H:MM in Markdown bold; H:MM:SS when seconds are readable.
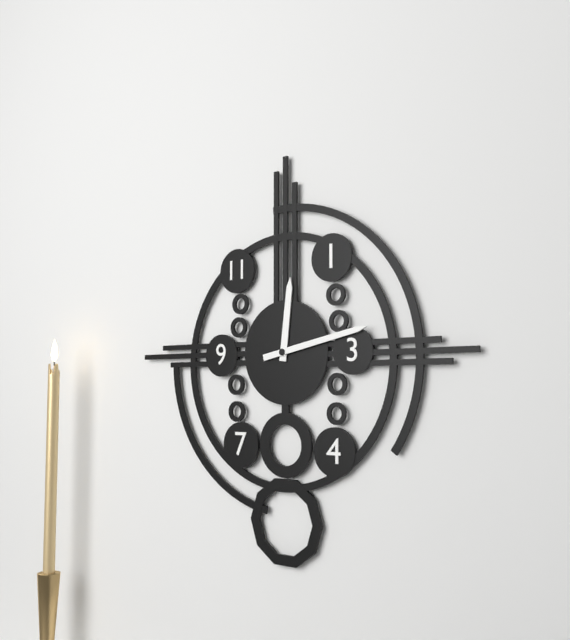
**12:13**
